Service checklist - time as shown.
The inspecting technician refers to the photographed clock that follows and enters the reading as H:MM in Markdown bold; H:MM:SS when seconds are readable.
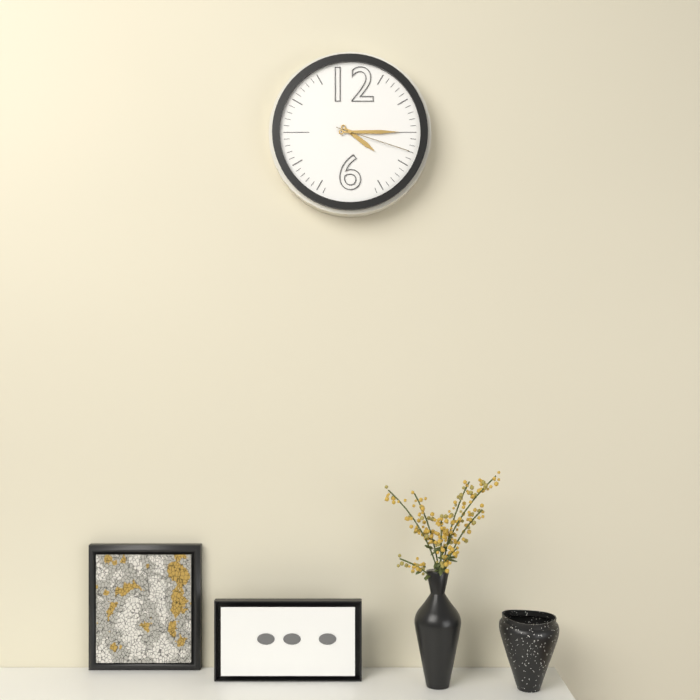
**4:15:18**
